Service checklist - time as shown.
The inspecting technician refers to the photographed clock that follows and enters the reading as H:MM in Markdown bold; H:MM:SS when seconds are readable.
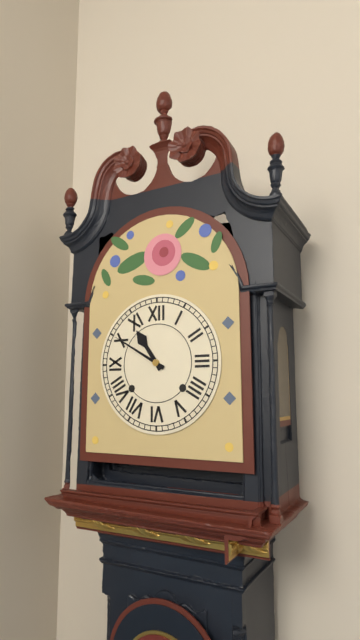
**10:50**
